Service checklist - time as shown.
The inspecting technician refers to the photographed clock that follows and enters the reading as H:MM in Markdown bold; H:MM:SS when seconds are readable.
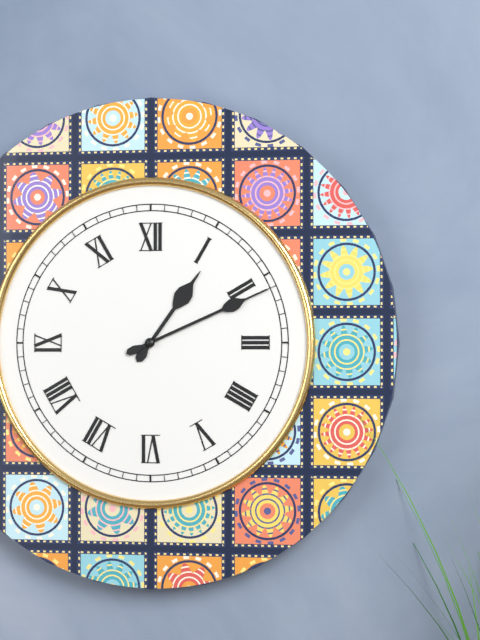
**1:11**
